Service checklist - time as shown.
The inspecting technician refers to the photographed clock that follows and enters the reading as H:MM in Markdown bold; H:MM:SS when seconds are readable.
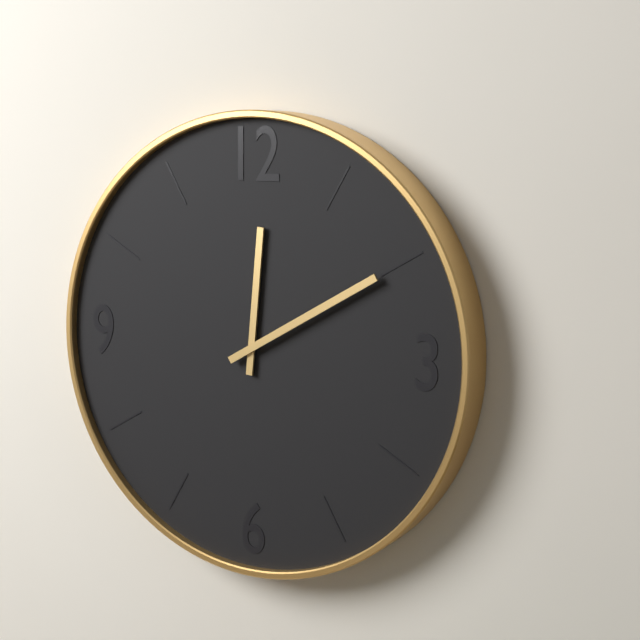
**12:10**
